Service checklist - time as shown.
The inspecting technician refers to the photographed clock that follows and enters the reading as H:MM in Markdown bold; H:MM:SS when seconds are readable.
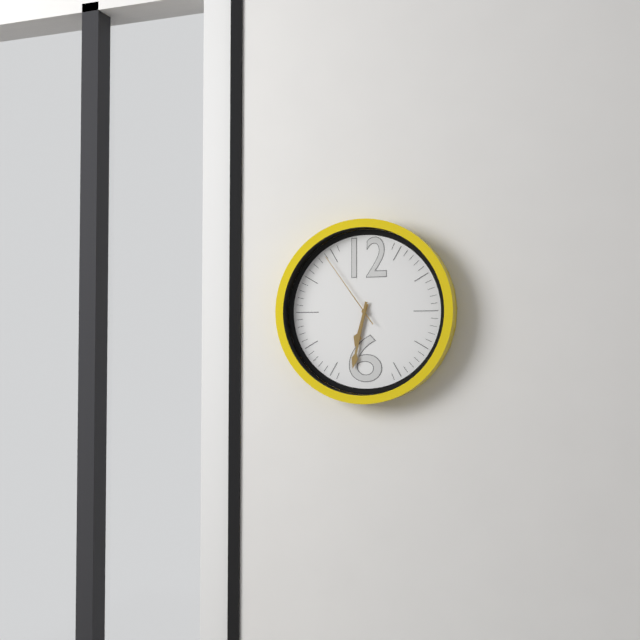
**6:32:54**
